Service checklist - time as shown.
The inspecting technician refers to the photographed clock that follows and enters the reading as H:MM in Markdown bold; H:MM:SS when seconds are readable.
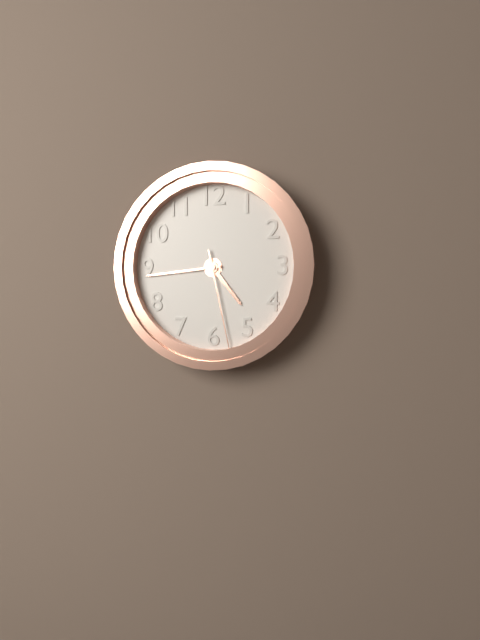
**4:44:28**
